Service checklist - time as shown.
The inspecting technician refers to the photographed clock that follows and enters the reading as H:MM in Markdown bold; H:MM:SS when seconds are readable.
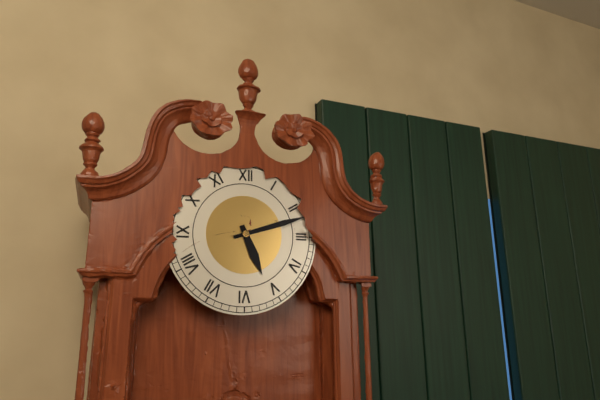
**5:12**
